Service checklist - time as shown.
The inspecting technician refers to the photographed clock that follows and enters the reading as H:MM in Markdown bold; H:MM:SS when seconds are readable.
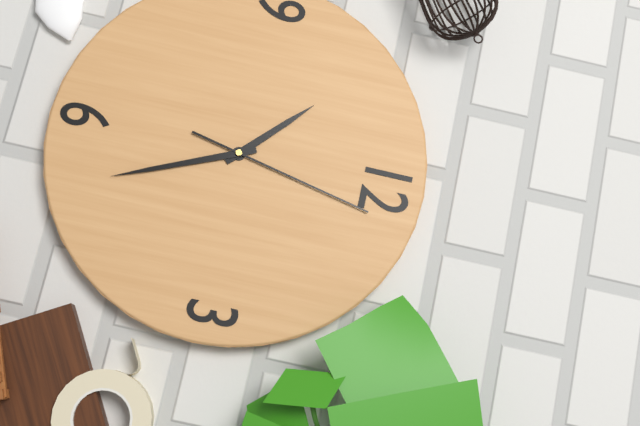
**10:26:02**
